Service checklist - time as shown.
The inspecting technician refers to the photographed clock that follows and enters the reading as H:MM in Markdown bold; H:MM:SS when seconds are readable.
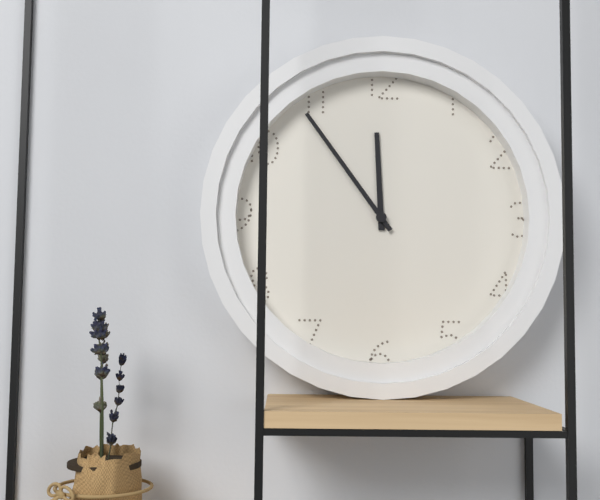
**11:54**
